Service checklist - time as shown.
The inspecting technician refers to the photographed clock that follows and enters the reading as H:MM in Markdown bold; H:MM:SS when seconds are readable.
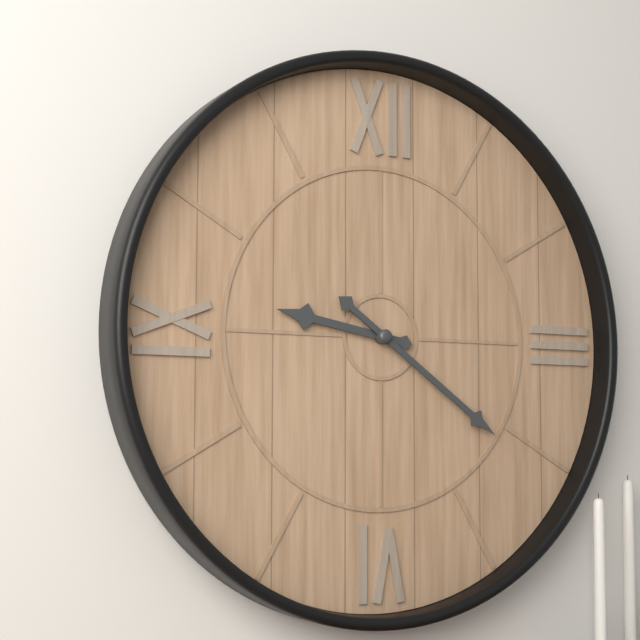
**9:21**
